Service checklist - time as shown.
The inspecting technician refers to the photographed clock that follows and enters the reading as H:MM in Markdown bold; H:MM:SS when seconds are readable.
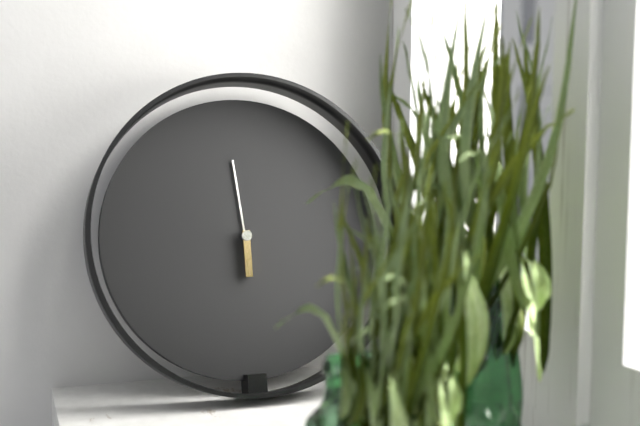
**5:59**
